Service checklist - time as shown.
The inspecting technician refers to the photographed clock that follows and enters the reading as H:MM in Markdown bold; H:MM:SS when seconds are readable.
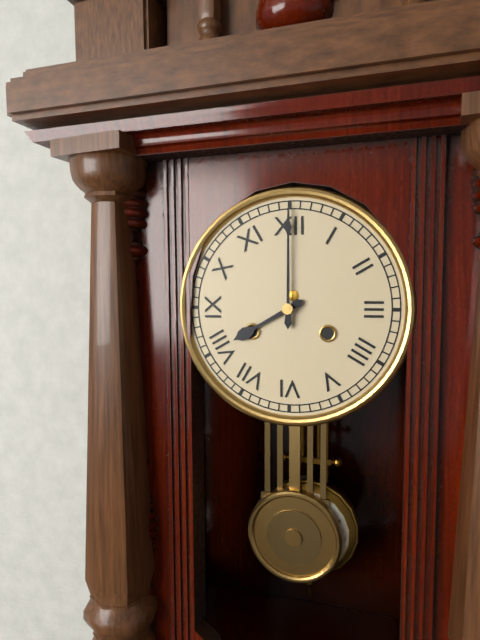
**8:00**
